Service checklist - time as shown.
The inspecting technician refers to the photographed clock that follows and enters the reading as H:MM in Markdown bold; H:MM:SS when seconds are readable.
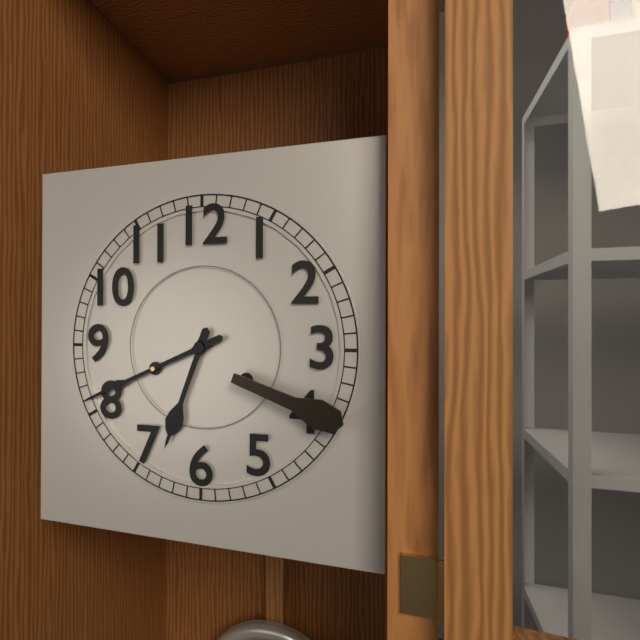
**6:41**
